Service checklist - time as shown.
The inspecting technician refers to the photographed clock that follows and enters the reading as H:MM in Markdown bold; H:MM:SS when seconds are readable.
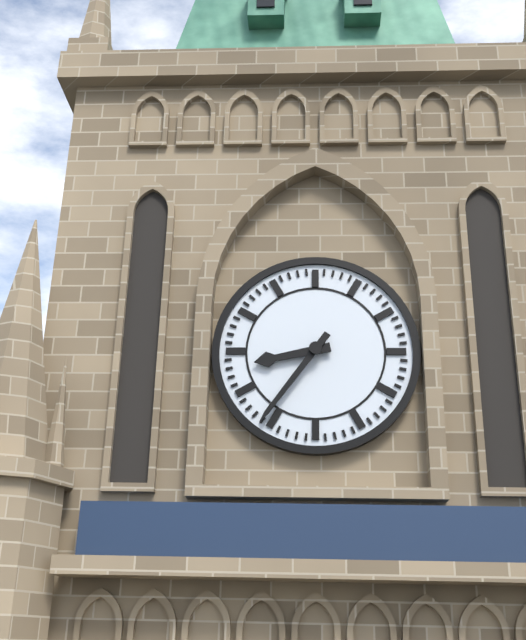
**8:36**
